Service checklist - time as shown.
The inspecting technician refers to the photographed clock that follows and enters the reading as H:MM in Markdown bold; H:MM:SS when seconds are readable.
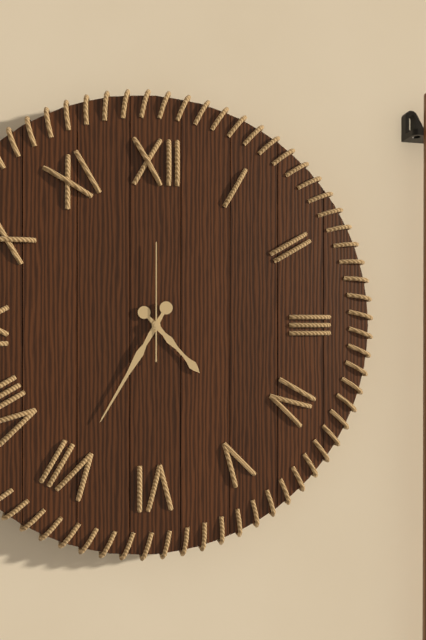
**4:35:00**
